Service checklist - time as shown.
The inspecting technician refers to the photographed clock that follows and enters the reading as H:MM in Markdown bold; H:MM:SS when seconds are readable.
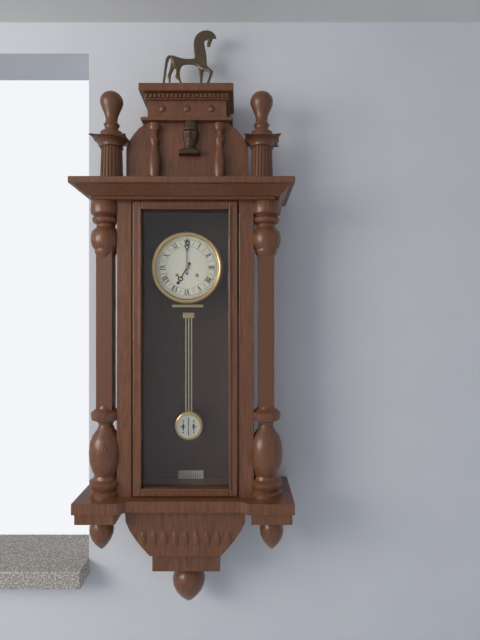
**7:00**
